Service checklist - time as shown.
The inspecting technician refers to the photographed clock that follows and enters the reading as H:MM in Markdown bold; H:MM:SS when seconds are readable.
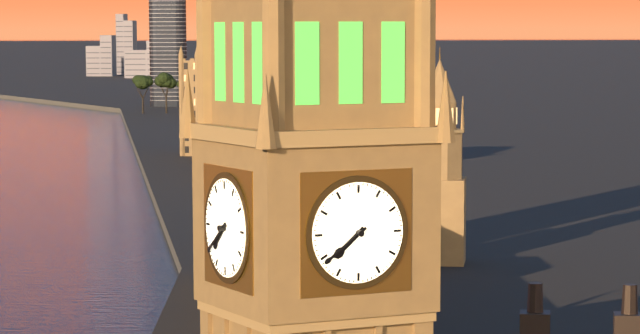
**7:39**
